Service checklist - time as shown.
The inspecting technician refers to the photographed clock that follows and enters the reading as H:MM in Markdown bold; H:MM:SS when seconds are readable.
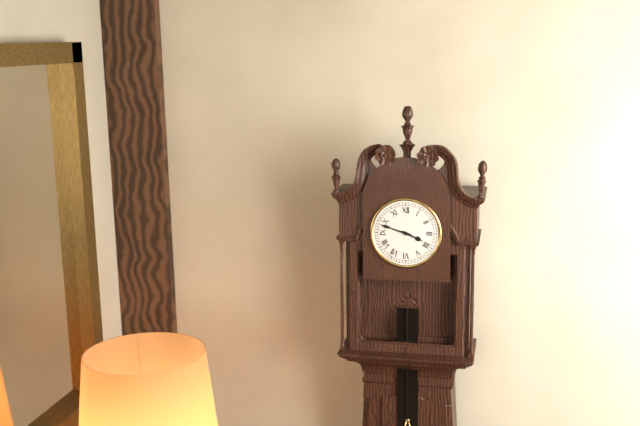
**3:48**
